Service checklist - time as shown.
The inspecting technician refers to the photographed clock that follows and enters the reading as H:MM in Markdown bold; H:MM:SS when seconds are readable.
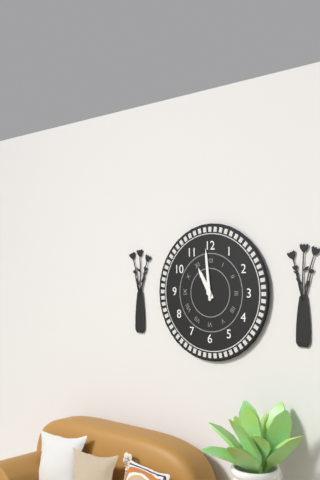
**10:59**
